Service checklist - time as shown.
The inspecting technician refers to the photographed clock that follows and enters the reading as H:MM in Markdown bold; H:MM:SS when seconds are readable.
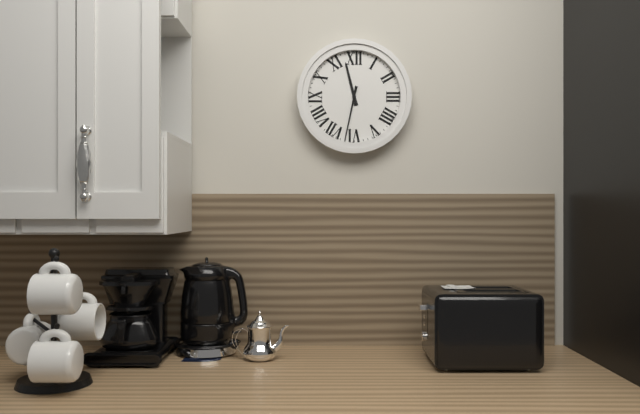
**11:32**
